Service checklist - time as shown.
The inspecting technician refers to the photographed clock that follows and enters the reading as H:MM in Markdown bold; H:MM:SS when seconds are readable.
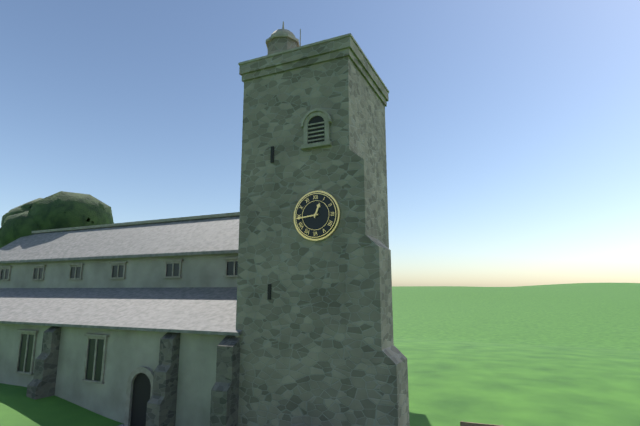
**12:44**
